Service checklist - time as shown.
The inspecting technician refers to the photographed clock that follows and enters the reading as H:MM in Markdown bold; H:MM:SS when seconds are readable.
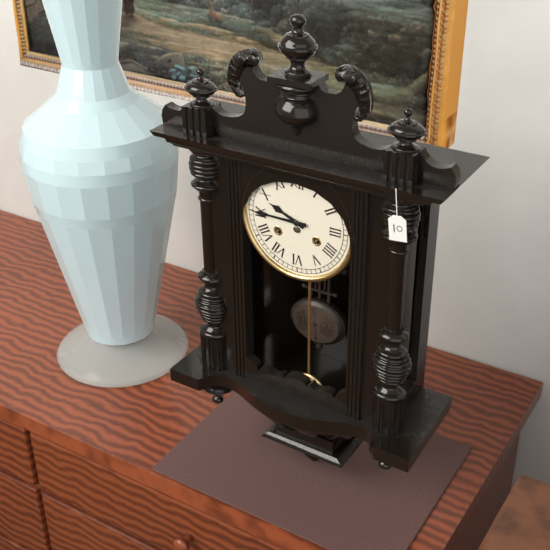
**9:45**
